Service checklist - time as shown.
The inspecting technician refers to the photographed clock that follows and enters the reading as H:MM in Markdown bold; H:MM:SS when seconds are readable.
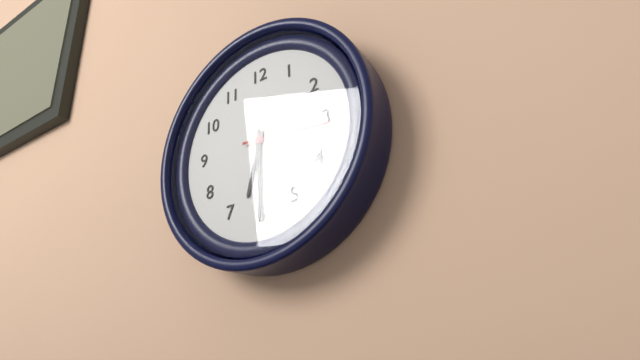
**6:30:16**
